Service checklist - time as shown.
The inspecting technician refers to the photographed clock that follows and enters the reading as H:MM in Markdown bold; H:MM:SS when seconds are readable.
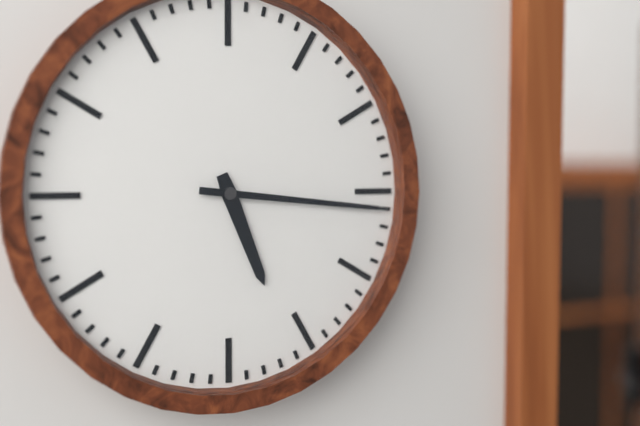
**5:16**
